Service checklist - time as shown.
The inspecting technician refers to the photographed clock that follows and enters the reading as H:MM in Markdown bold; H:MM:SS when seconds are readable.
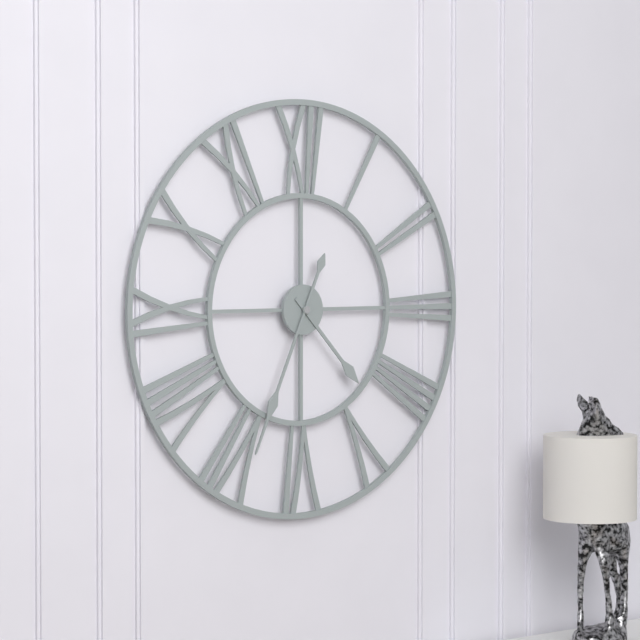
**4:34**
